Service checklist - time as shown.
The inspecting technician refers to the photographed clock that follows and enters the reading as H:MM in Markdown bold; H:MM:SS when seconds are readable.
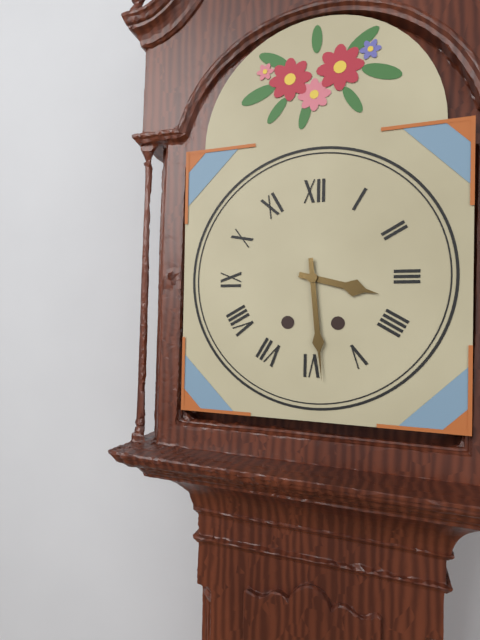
**3:29**
